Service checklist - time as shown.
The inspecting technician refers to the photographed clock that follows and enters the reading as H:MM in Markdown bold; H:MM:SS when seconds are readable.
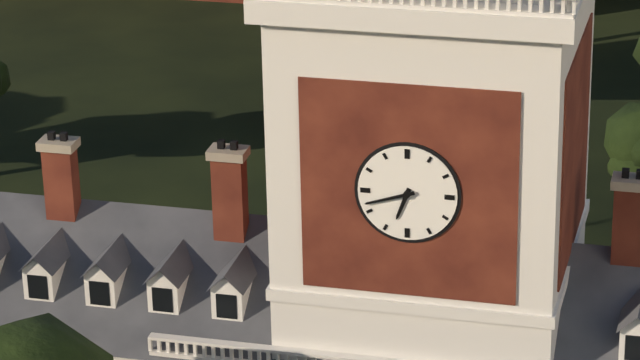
**6:42**
